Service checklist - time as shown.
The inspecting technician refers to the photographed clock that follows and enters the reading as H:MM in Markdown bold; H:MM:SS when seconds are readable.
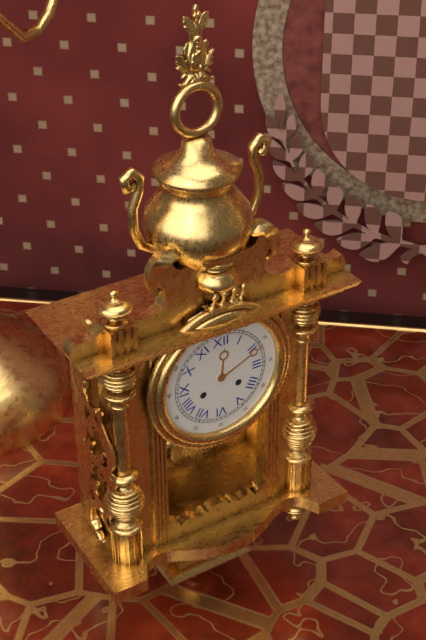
**12:11**
